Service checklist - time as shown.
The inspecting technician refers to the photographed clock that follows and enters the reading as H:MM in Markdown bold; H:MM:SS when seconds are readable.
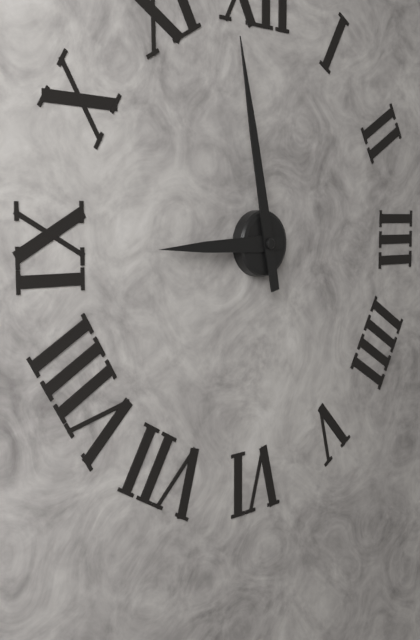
**8:58**
